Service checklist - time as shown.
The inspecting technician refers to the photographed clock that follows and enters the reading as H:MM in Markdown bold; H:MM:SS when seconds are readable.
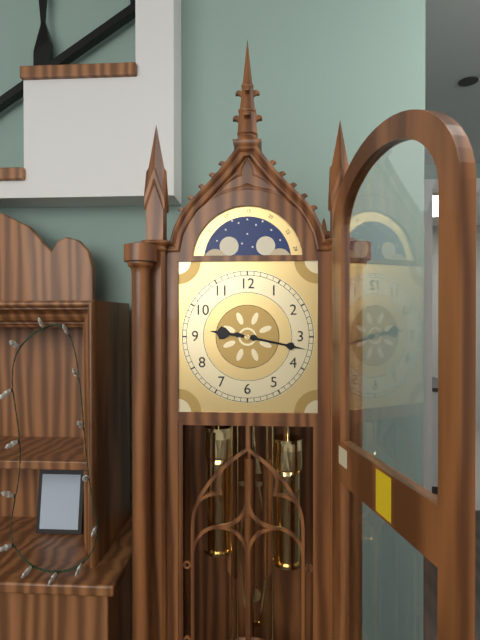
**9:17**
